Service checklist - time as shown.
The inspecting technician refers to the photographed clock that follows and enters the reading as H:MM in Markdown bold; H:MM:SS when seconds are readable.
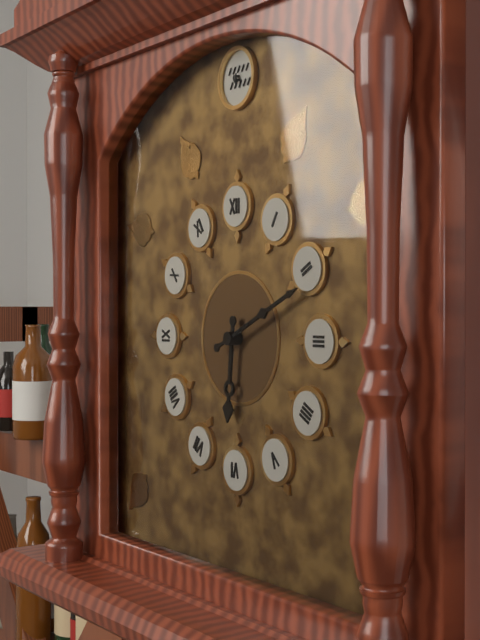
**6:11**
